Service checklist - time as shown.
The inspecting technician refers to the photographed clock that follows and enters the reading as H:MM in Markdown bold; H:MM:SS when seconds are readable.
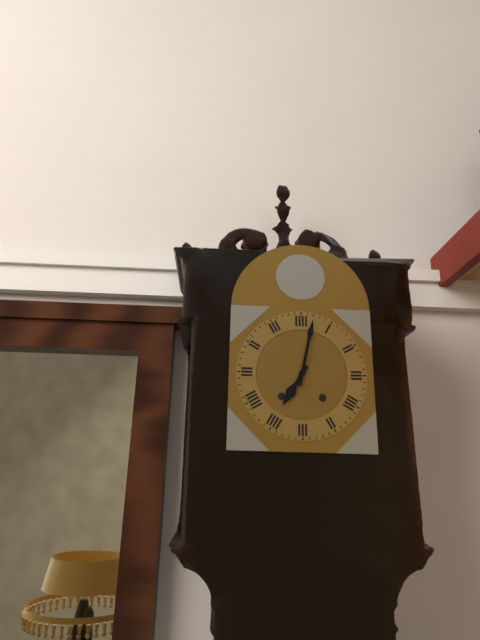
**7:02**
